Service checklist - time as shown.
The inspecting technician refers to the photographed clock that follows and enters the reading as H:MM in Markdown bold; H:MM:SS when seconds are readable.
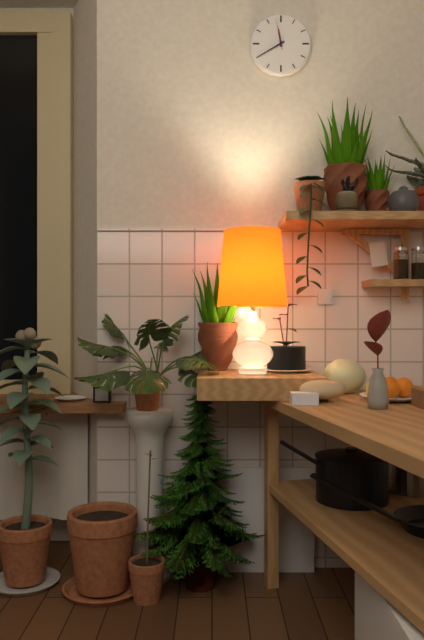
**11:40**
